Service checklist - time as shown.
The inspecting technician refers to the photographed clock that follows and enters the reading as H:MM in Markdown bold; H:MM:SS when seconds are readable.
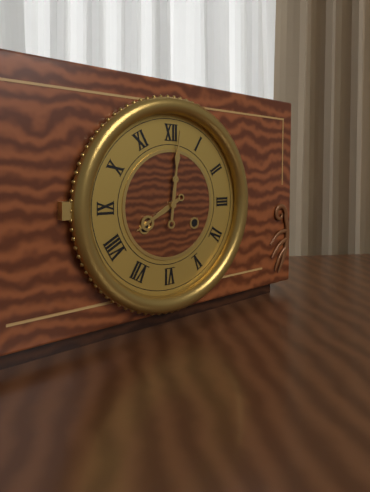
**8:01**
